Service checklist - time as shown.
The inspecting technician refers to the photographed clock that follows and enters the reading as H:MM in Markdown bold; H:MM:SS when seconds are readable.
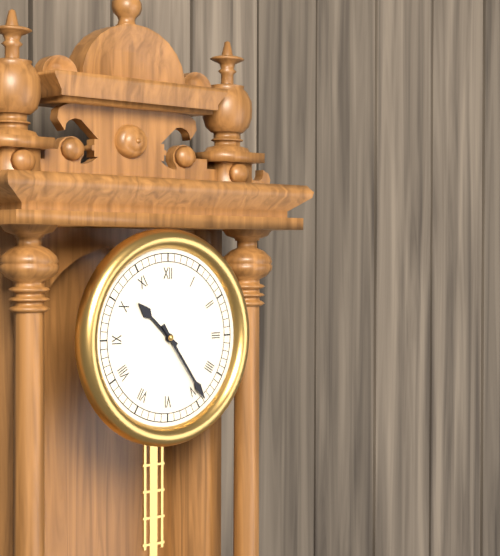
**10:24**
